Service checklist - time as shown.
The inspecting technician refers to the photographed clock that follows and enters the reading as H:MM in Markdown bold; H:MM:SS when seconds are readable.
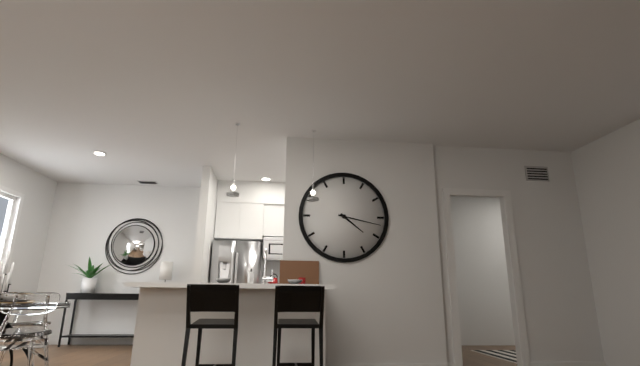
**4:17**
